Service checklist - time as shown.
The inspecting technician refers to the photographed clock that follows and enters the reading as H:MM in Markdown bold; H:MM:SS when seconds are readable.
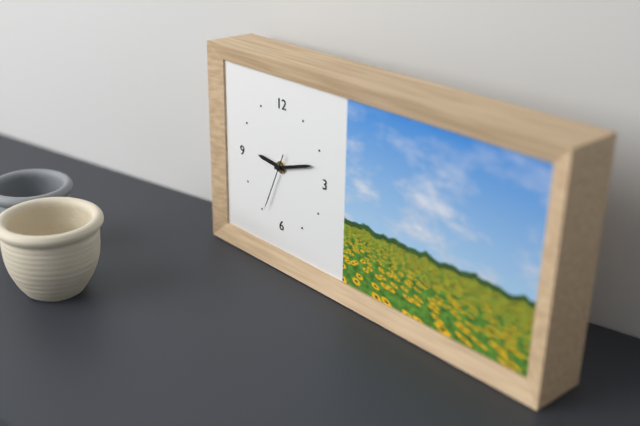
**9:12:34**
